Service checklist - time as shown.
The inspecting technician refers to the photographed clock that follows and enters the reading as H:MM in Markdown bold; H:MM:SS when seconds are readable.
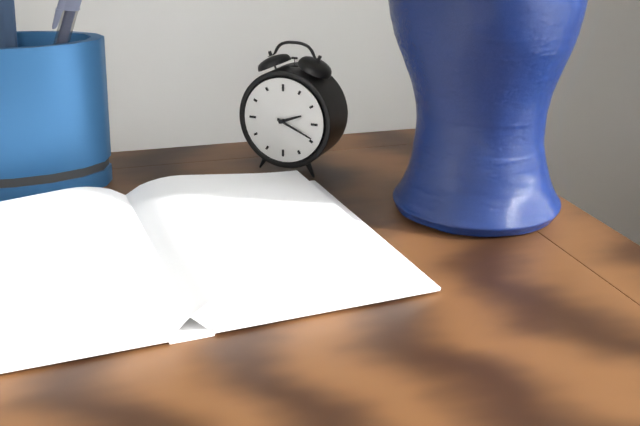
**2:19**
